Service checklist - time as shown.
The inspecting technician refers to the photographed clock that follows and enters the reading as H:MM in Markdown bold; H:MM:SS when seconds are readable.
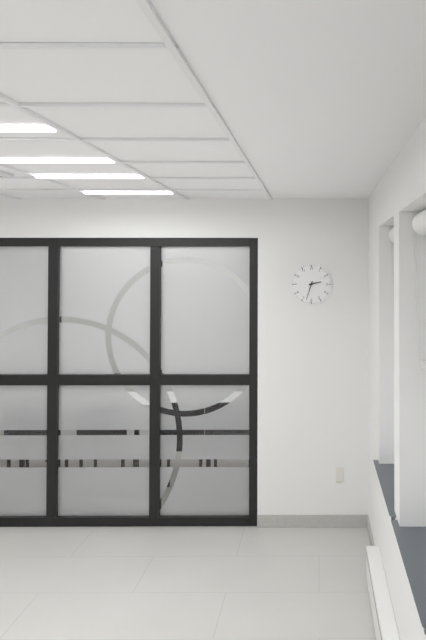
**2:33**
